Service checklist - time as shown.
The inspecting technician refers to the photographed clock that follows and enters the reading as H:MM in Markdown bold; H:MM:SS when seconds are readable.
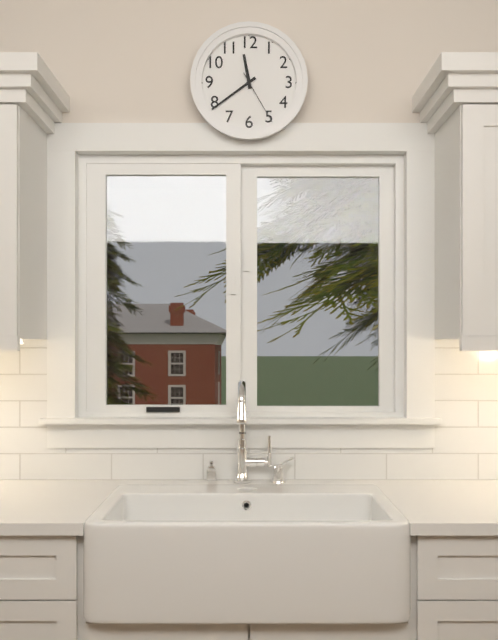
**11:39:25**
